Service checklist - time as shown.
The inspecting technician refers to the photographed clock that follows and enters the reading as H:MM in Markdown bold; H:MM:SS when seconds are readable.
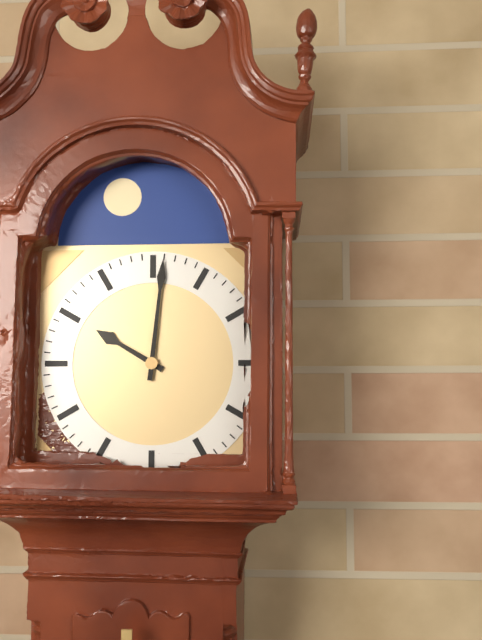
**10:01**
